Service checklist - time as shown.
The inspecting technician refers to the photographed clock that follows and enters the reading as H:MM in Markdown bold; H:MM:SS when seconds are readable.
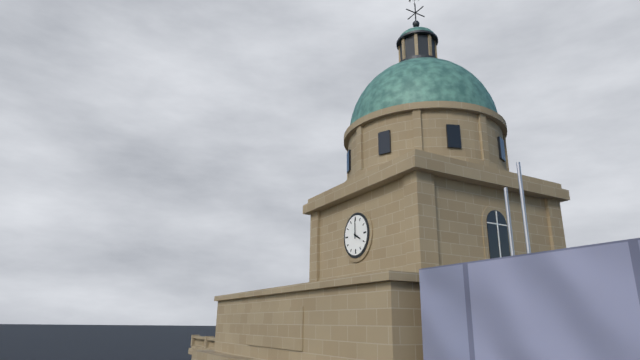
**4:00**
